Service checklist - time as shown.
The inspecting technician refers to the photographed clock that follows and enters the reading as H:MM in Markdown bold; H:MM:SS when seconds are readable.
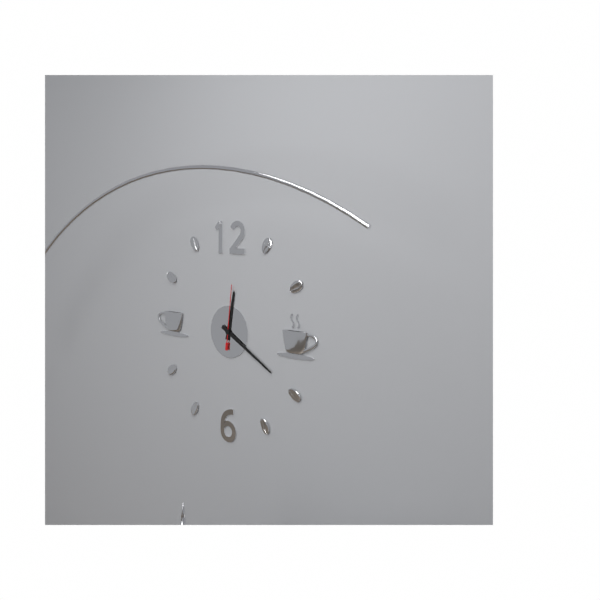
**12:20:01**
